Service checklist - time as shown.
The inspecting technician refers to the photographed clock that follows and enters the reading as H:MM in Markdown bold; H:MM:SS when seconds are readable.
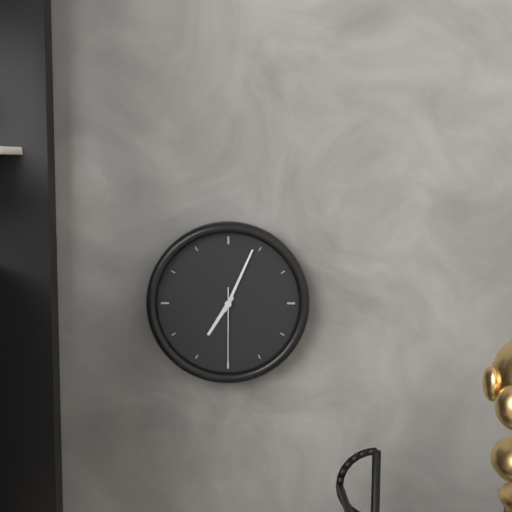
**7:04:30**
